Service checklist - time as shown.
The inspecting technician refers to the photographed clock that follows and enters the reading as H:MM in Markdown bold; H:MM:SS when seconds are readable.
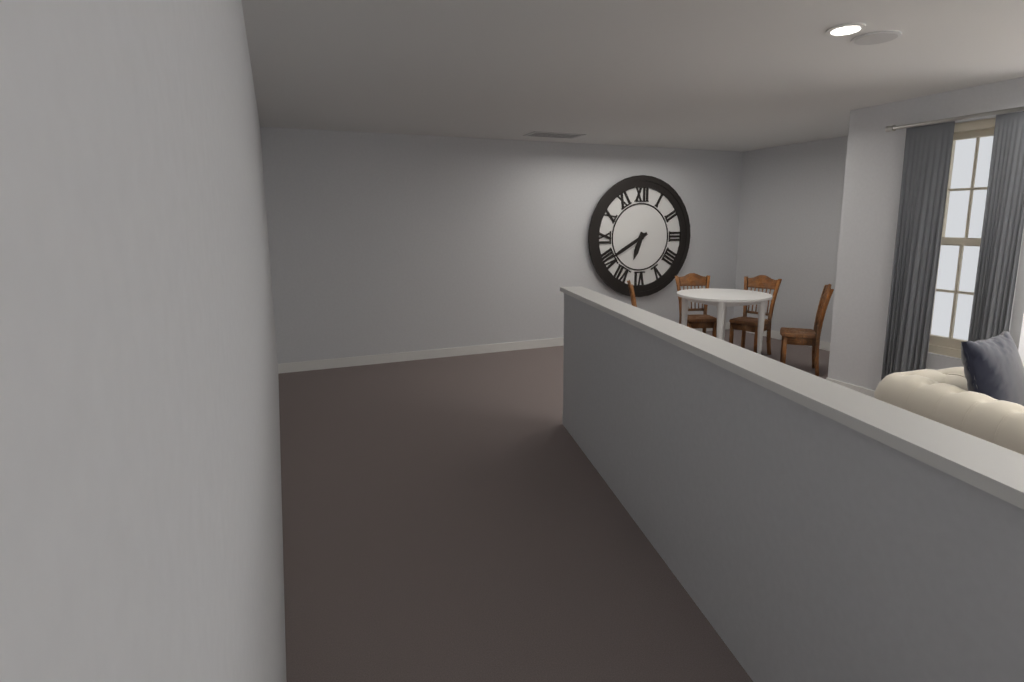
**6:40**
